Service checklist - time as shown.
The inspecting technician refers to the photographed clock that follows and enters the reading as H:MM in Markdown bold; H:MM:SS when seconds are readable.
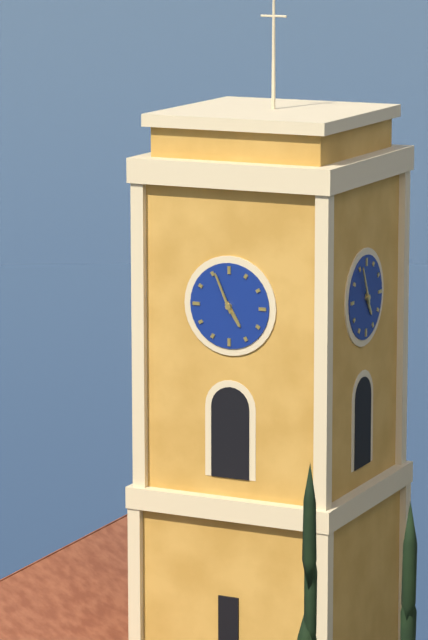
**4:56**
